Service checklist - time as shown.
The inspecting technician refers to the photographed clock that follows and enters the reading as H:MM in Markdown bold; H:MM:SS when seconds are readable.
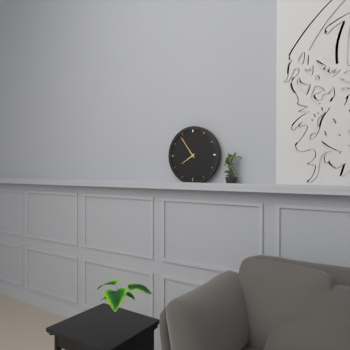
**7:54**
